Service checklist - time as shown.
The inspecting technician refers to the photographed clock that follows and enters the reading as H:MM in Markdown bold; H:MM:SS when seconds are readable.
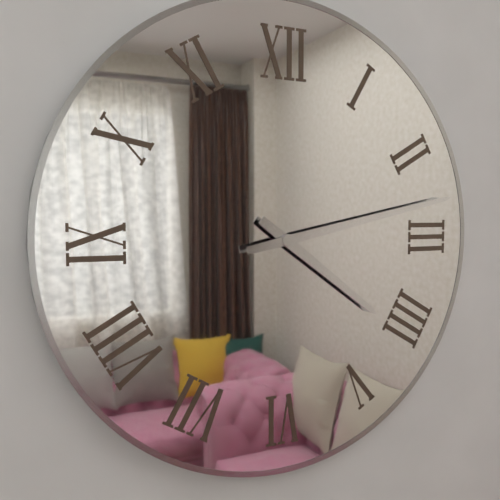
**4:13**
